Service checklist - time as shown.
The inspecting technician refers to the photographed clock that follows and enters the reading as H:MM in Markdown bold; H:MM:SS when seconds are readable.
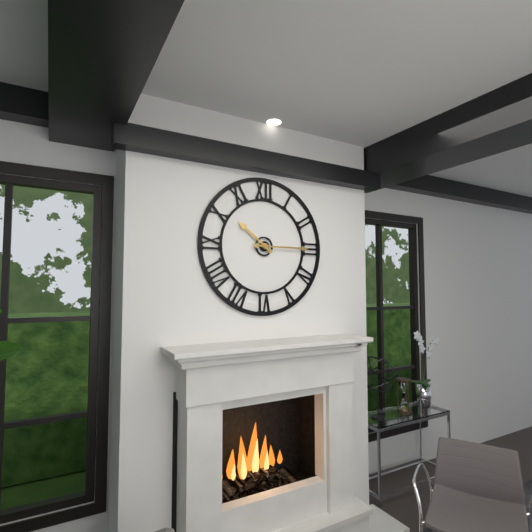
**10:15**
